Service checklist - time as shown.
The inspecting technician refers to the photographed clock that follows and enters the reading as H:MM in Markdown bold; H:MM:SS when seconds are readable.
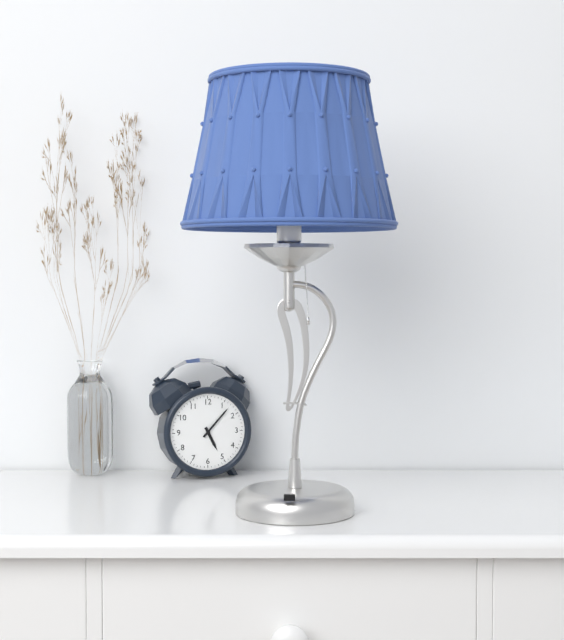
**5:07**
